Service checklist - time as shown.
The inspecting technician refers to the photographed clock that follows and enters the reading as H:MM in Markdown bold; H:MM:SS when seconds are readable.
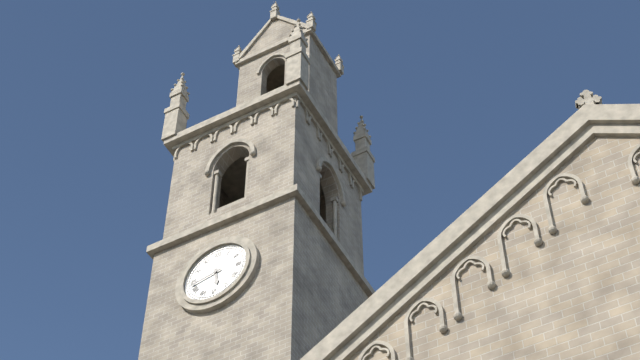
**5:43**
